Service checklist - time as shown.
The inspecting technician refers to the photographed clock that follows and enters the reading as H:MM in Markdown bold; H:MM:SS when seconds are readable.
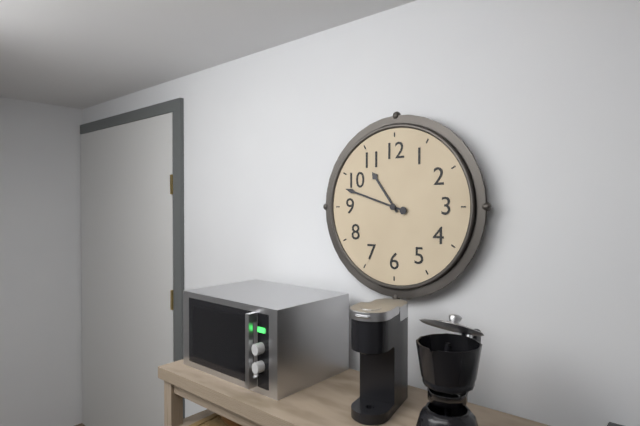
**10:48**
